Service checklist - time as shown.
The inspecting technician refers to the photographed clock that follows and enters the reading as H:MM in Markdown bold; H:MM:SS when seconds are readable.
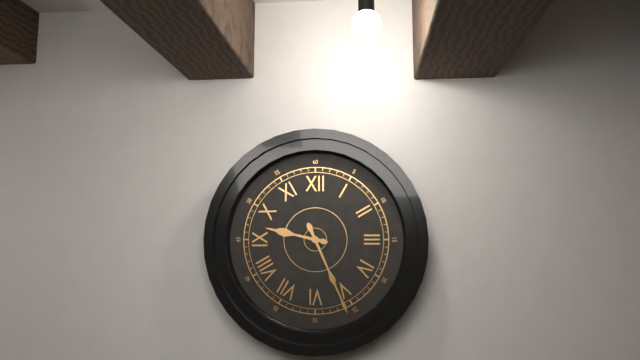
**9:26**
